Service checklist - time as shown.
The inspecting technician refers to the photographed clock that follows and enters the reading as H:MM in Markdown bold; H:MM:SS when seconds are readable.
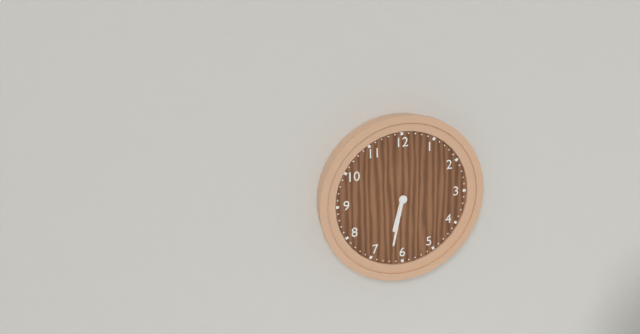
**6:32**
